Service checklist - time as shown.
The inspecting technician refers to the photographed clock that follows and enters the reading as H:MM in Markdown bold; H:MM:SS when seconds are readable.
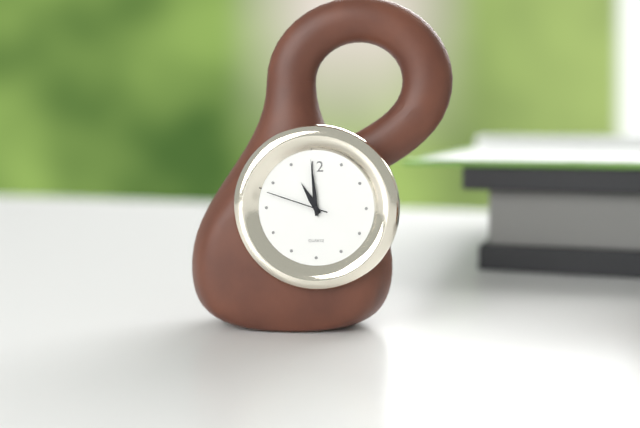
**10:59:48**
